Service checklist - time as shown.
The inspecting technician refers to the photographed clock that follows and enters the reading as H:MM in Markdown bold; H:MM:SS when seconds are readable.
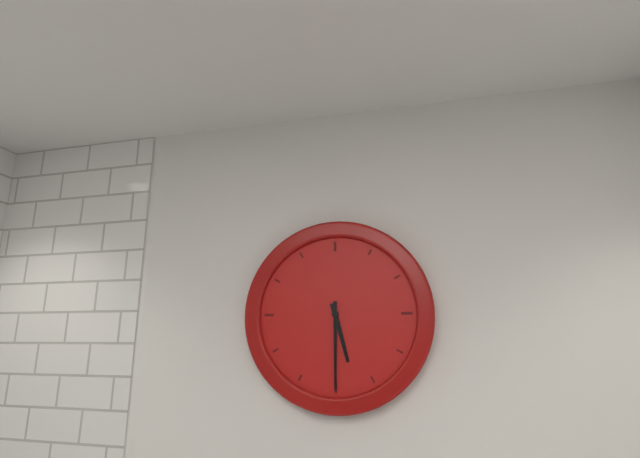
**5:30**
